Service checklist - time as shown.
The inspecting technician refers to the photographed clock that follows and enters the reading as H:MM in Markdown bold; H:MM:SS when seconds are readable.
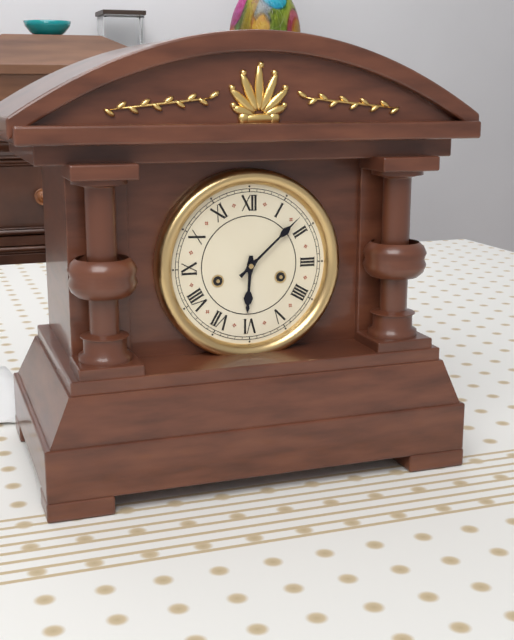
**6:08**
